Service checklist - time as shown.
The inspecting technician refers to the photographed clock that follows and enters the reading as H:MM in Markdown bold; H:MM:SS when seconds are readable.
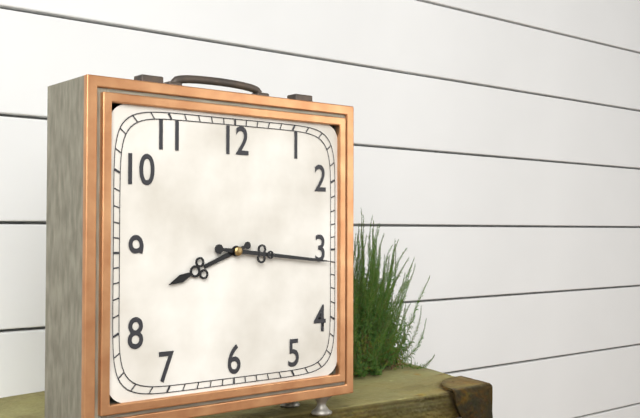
**8:16**
